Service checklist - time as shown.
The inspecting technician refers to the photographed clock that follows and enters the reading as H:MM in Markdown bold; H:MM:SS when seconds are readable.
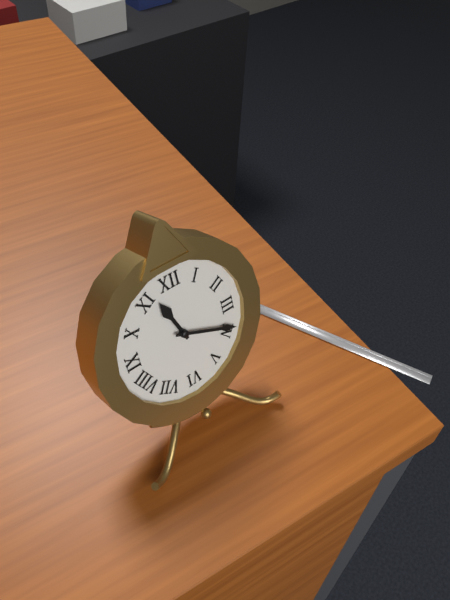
**11:19**
